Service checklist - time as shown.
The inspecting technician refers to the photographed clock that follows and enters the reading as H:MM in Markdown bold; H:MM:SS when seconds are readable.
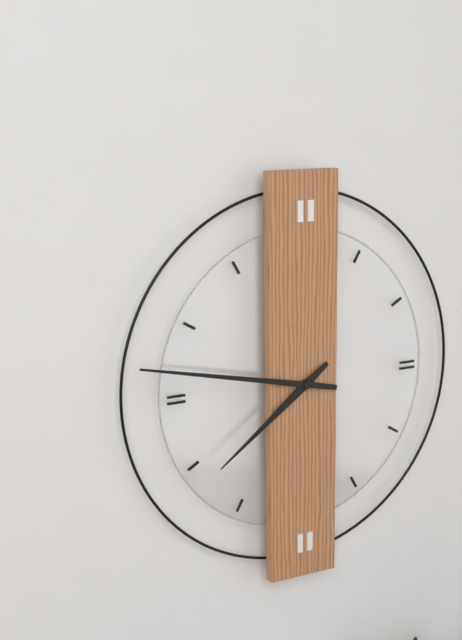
**7:47**
